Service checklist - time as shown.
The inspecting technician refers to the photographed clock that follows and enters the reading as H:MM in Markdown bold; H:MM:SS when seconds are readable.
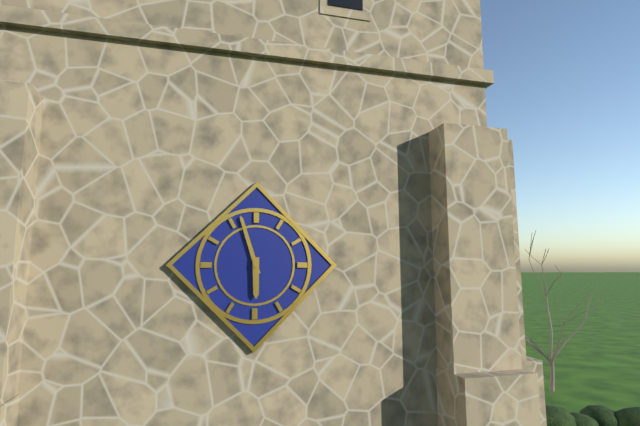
**5:57**
